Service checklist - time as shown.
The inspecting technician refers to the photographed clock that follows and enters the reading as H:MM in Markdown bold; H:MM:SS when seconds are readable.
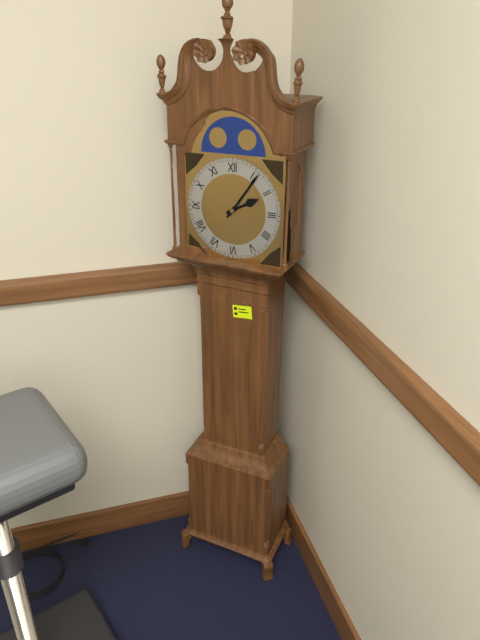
**2:06**
